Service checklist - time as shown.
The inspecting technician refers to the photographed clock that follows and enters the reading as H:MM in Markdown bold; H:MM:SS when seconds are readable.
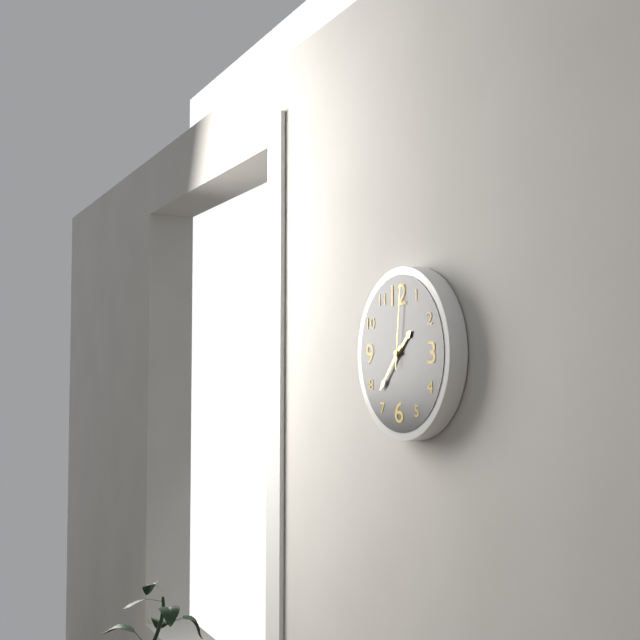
**1:37:01**
